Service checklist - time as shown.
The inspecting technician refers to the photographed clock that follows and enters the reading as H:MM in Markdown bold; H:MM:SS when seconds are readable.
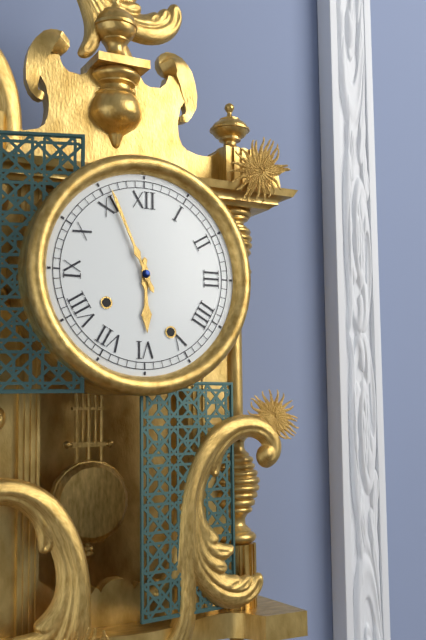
**5:56**
